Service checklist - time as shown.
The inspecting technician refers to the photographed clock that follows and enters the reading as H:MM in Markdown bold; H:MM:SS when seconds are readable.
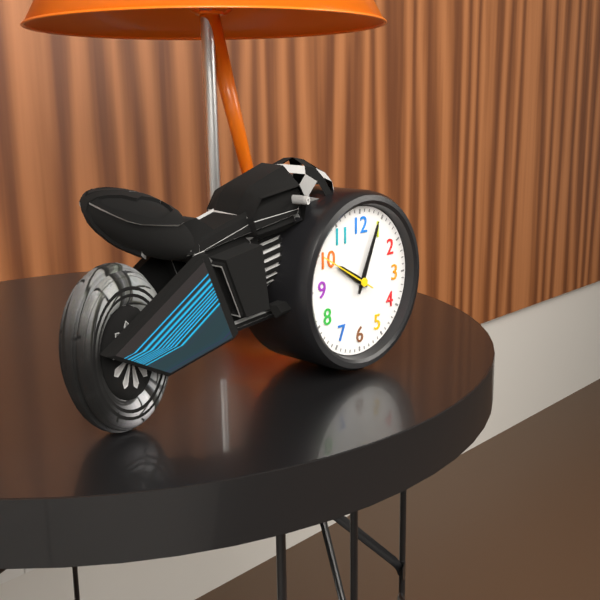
**10:04:50**
